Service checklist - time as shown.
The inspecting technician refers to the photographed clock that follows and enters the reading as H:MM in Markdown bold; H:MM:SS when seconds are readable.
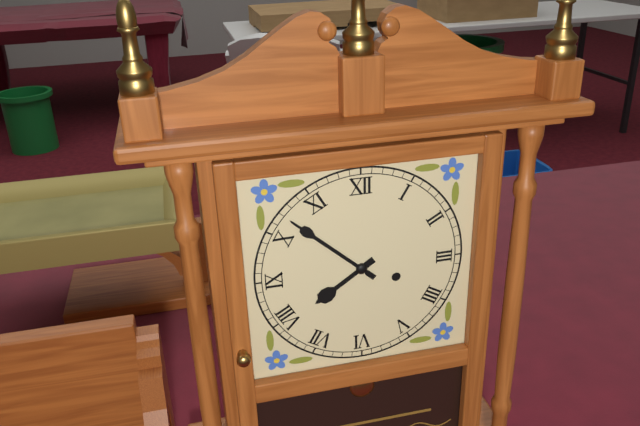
**7:52**
